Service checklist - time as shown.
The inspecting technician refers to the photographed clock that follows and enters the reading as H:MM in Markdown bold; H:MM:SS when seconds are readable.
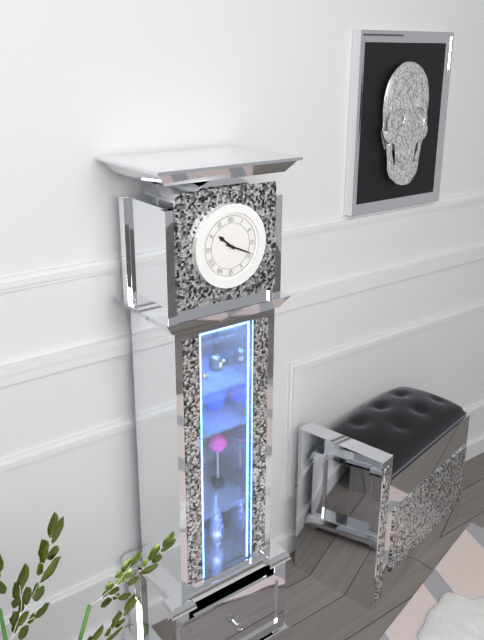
**10:19**
